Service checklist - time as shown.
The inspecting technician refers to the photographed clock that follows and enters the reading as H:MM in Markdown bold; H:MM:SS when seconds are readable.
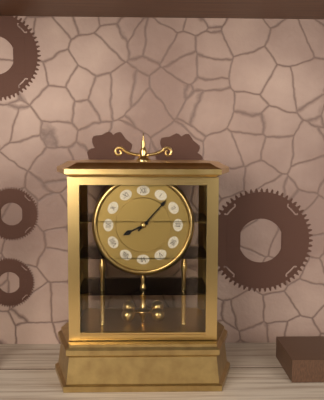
**8:07**
